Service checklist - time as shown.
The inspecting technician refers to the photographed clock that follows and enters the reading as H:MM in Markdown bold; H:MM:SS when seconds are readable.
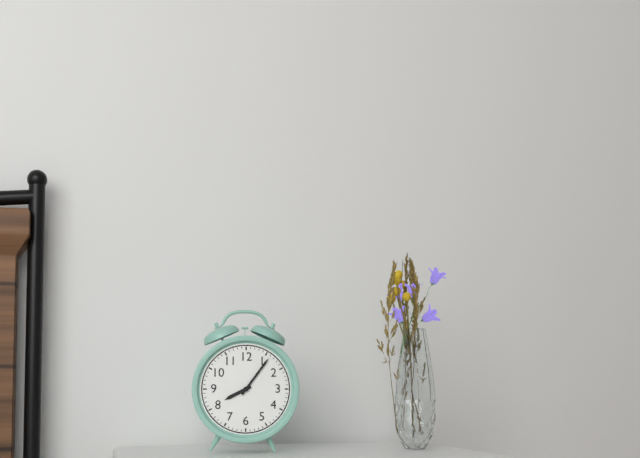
**8:06**
